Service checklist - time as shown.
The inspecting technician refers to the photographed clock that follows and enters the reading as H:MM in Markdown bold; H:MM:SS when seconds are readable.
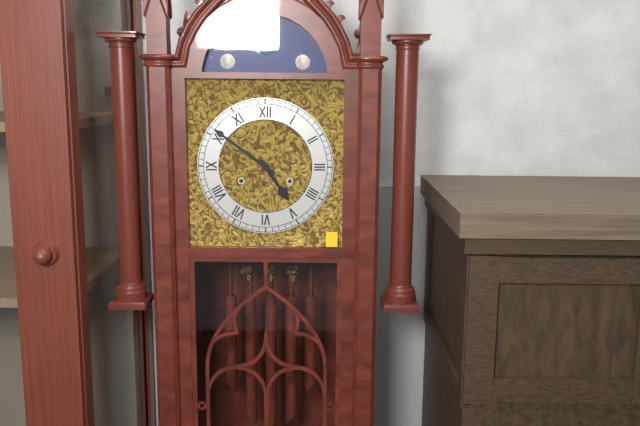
**4:51**
